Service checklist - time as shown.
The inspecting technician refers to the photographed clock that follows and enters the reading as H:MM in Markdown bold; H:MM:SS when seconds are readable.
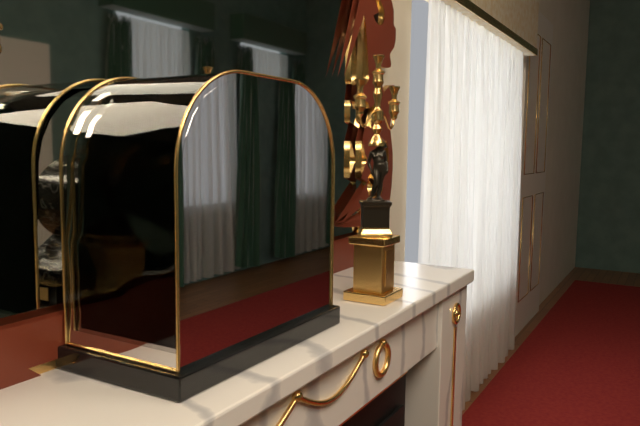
**3:25**
